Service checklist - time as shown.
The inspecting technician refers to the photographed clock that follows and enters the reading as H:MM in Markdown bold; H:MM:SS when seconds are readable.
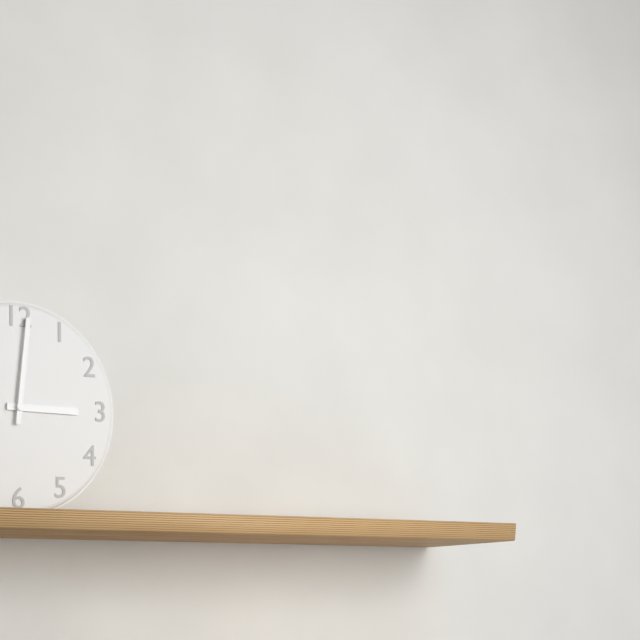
**3:01**
